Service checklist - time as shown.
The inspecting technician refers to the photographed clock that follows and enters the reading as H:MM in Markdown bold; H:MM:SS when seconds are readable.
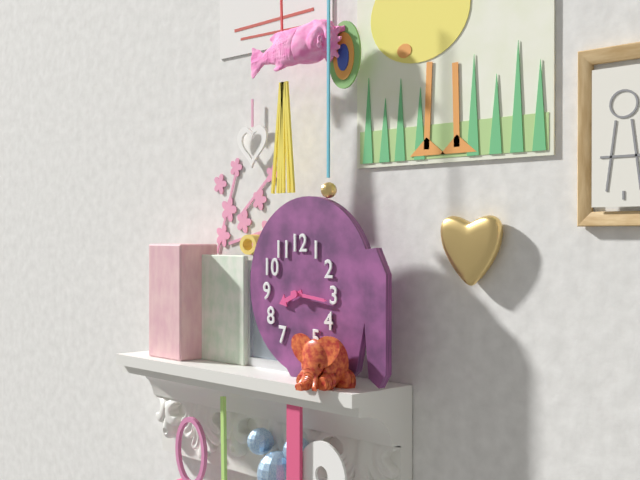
**8:16**
